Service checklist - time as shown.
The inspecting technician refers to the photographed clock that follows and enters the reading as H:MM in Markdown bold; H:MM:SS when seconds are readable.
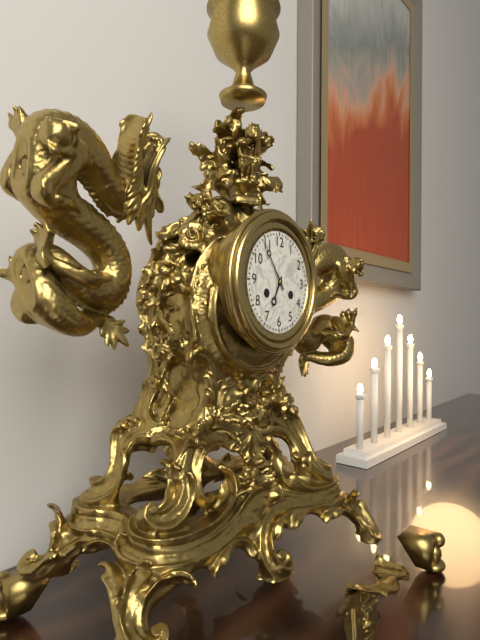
**6:54**
